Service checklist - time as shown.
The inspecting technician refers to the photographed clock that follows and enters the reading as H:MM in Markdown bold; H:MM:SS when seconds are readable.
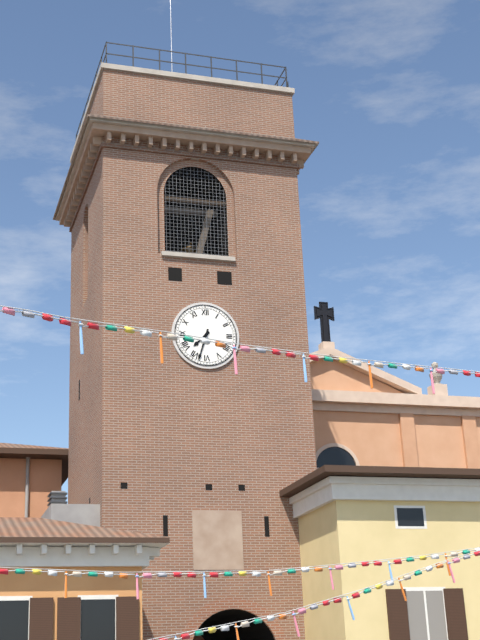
**7:33**
